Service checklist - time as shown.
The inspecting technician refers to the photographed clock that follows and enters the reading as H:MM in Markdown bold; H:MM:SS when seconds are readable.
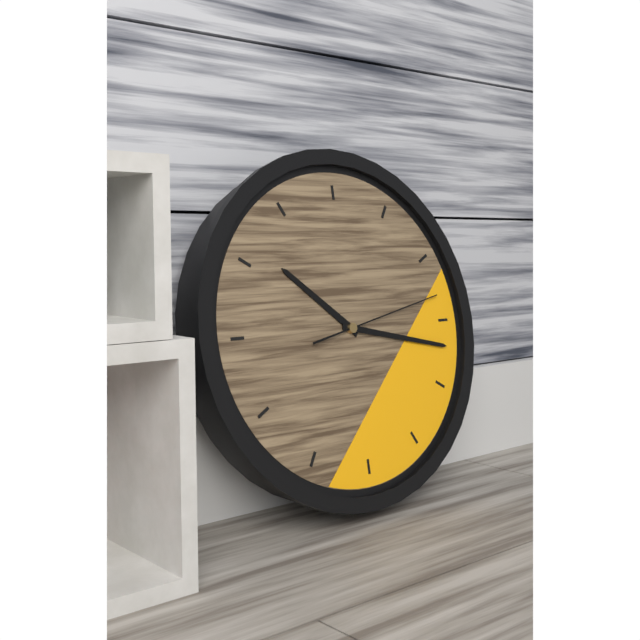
**10:17:13**
